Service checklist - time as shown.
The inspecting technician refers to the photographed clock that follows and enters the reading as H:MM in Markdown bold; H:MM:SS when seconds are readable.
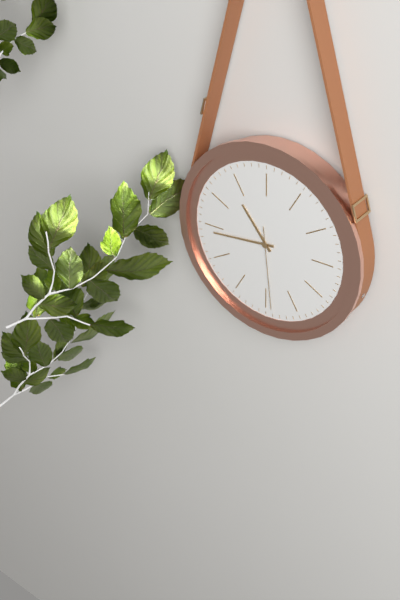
**10:44:29**
